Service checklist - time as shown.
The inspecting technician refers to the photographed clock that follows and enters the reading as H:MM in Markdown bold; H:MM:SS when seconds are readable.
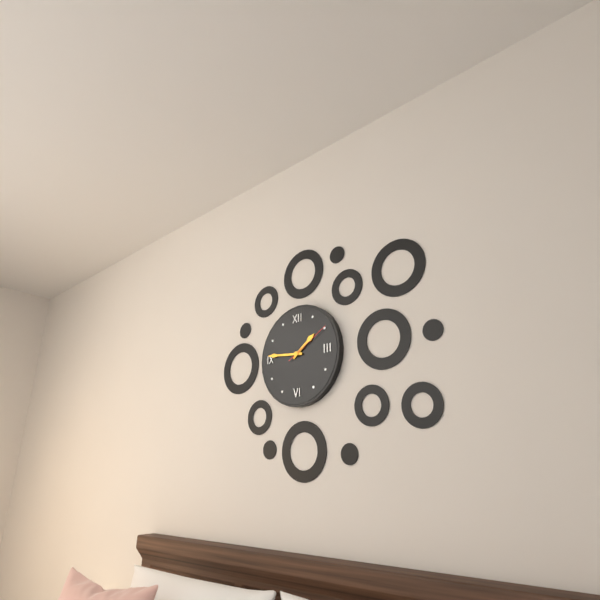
**1:46**
